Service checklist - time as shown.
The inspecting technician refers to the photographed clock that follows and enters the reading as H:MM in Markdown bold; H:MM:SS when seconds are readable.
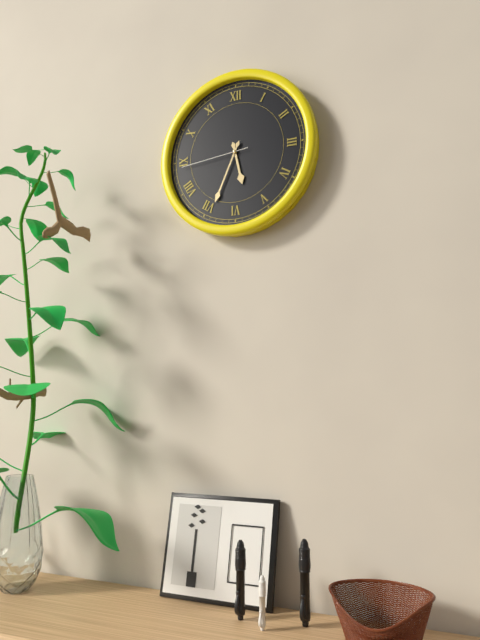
**5:34:44**
